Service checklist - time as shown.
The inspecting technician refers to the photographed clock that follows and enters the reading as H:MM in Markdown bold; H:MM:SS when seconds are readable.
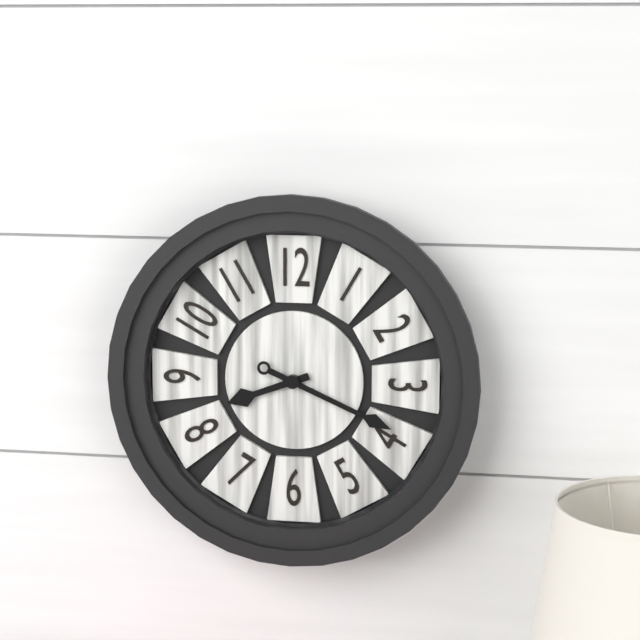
**8:19**
